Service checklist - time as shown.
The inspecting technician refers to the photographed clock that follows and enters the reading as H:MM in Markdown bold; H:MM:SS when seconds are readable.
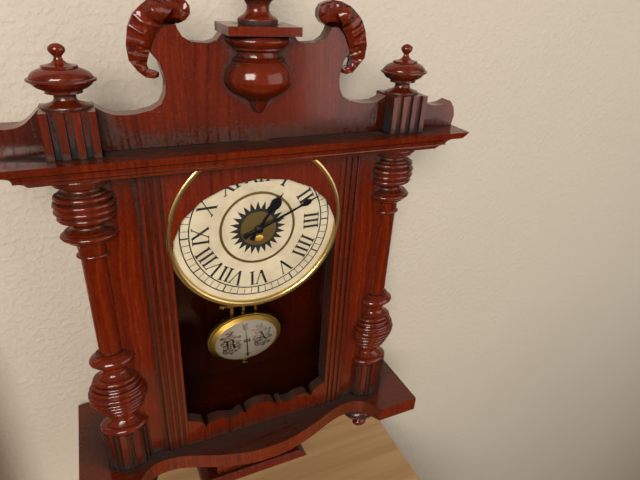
**1:11**
